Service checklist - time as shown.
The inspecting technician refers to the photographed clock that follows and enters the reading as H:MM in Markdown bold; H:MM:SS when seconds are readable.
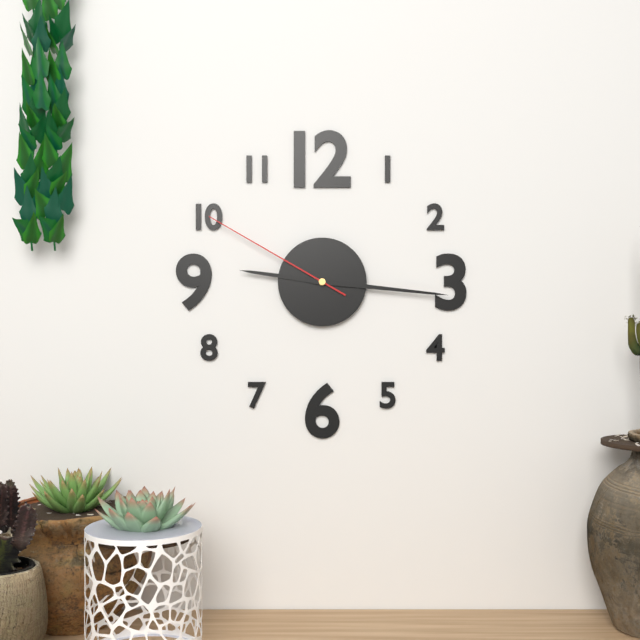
**9:16:50**
